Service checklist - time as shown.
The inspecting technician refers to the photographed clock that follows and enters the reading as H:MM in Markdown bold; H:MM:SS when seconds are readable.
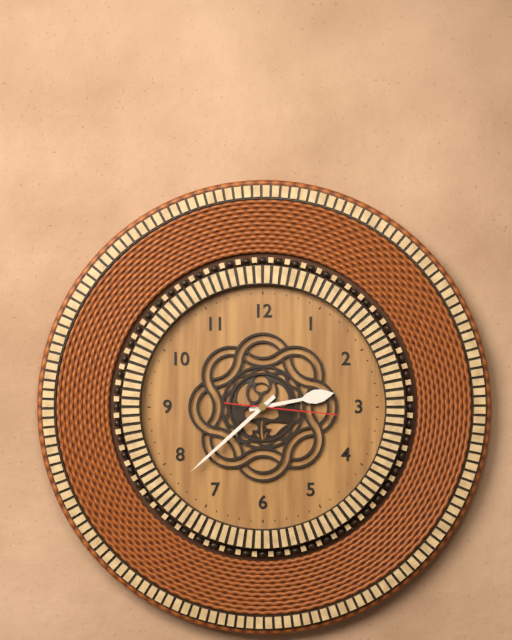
**2:38:16**
